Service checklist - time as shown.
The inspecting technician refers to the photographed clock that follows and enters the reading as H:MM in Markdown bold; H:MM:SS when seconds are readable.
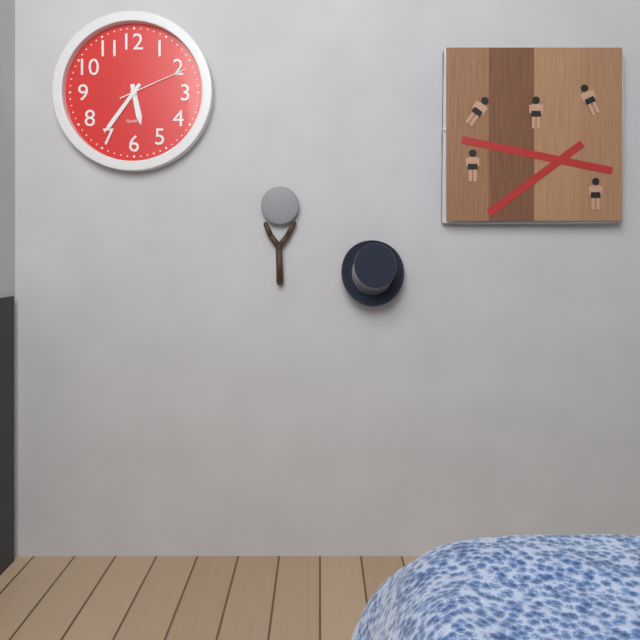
**5:36:11**
